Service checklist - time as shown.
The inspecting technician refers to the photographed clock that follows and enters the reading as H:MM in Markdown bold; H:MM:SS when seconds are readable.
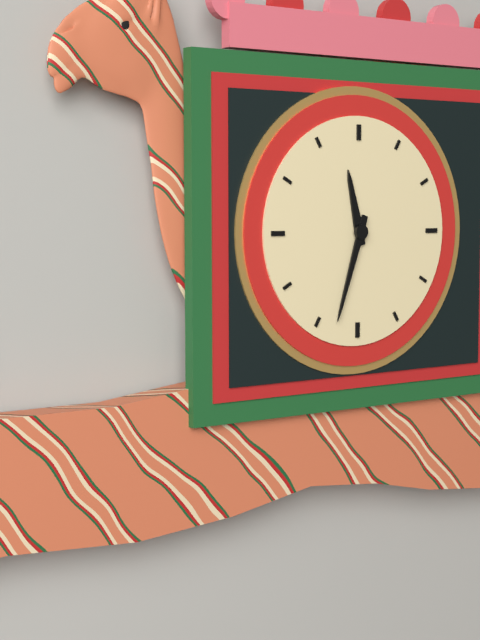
**11:33**
